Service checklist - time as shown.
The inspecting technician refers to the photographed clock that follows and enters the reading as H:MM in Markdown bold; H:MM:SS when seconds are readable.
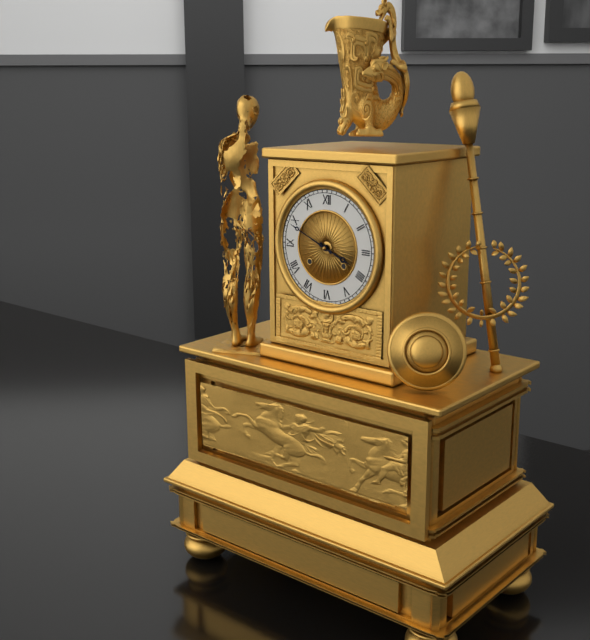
**3:49**
